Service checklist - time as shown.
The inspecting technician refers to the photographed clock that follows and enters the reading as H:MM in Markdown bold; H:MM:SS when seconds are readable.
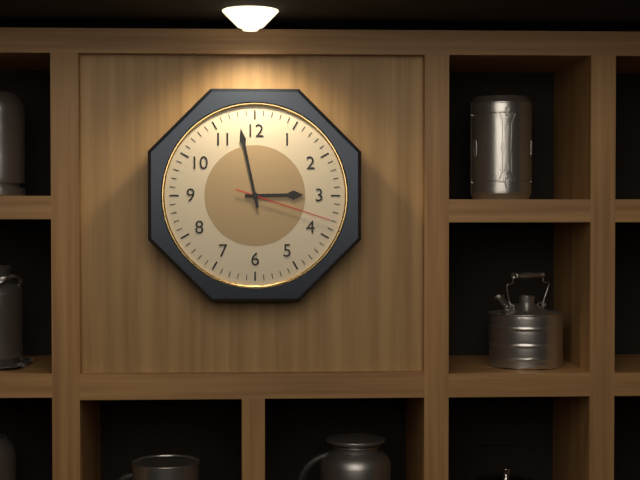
**2:58:18**
